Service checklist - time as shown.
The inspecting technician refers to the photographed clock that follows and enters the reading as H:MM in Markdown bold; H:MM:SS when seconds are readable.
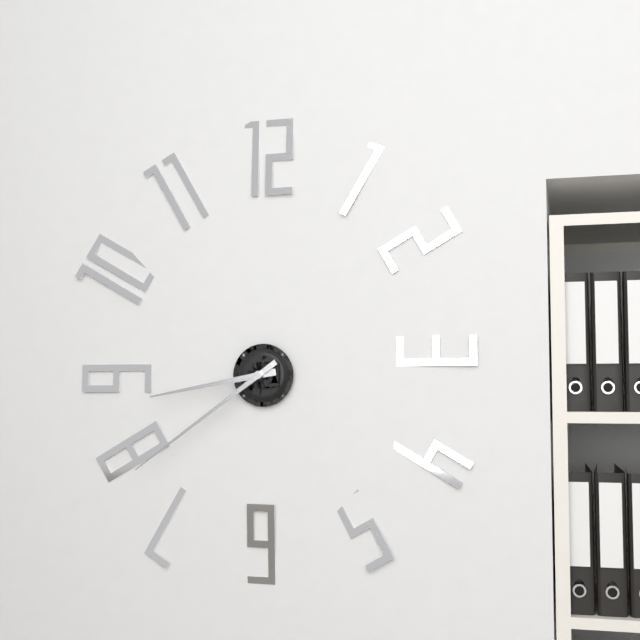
**8:39**
